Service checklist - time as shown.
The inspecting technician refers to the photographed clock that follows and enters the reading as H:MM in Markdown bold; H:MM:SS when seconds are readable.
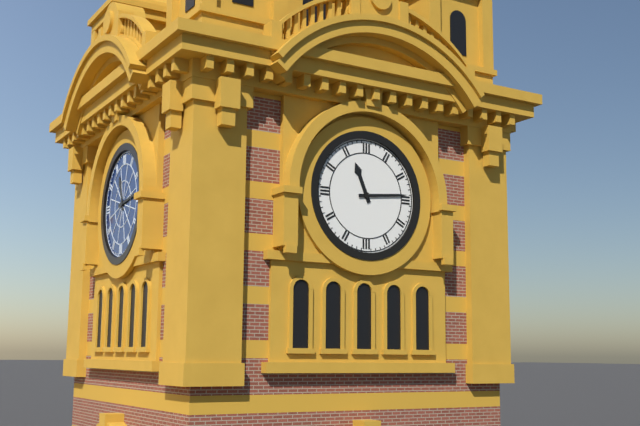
**11:14**
